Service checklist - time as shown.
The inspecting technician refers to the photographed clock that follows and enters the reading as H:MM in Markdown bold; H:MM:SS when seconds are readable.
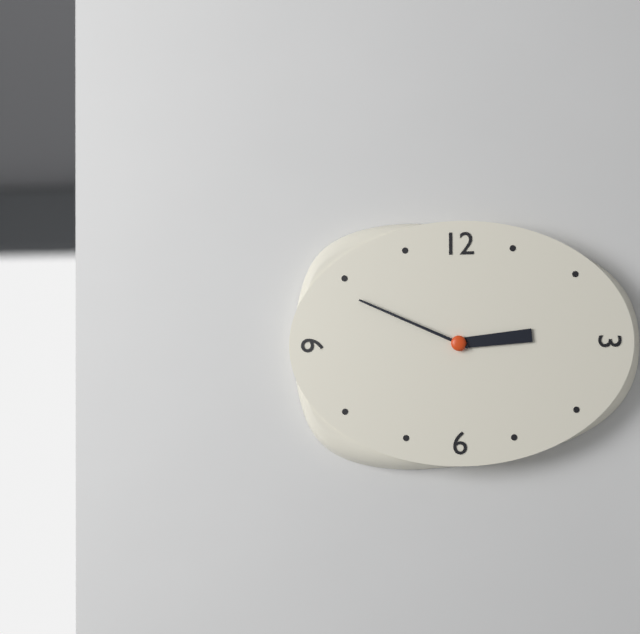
**2:49**
